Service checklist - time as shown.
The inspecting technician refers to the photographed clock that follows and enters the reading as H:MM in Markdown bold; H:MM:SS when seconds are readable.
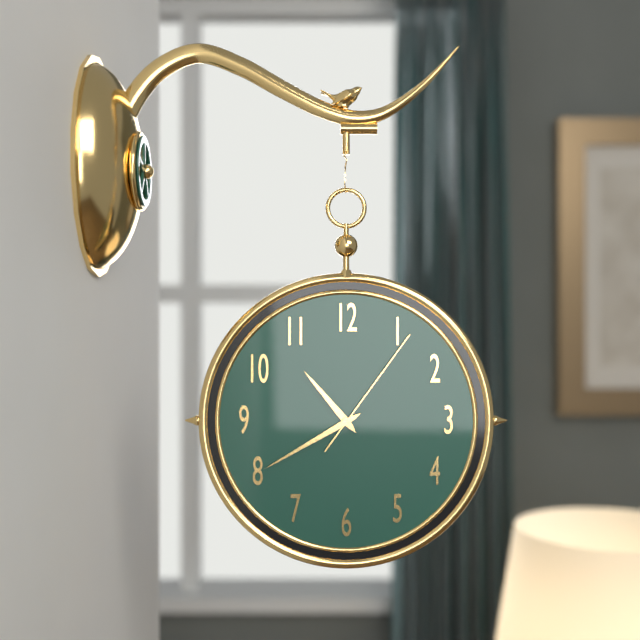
**10:40:06**
